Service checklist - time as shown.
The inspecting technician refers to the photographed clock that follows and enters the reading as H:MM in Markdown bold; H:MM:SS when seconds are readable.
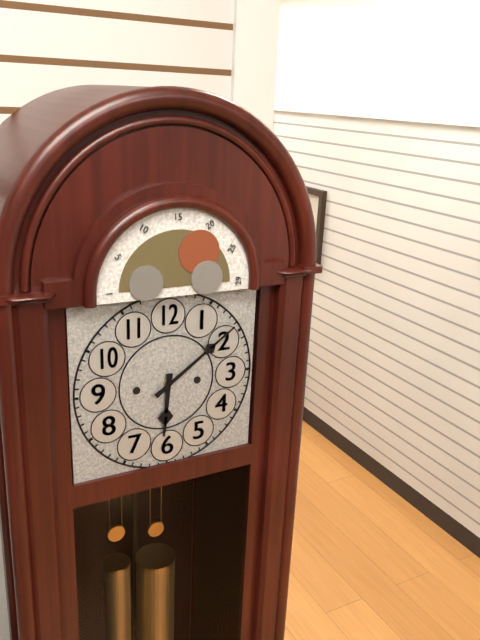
**6:09**
